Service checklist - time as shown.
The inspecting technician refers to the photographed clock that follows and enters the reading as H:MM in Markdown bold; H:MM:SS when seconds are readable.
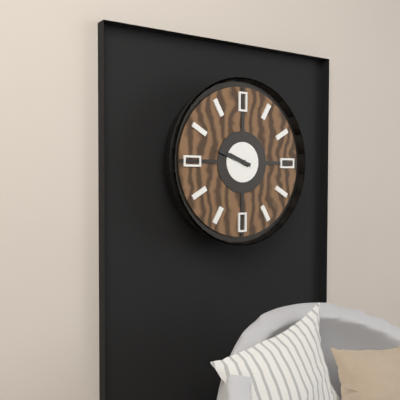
**9:48**
